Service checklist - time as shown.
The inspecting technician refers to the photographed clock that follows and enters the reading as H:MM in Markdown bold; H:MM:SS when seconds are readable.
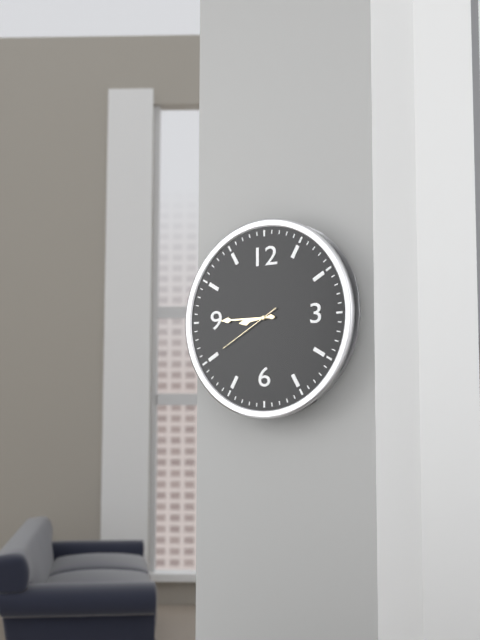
**8:45:40**
